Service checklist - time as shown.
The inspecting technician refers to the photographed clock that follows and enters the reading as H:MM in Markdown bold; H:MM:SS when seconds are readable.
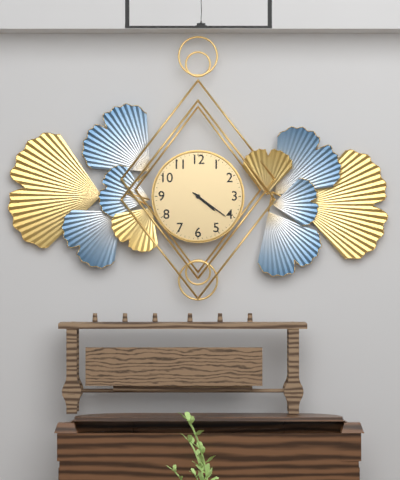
**4:21**
